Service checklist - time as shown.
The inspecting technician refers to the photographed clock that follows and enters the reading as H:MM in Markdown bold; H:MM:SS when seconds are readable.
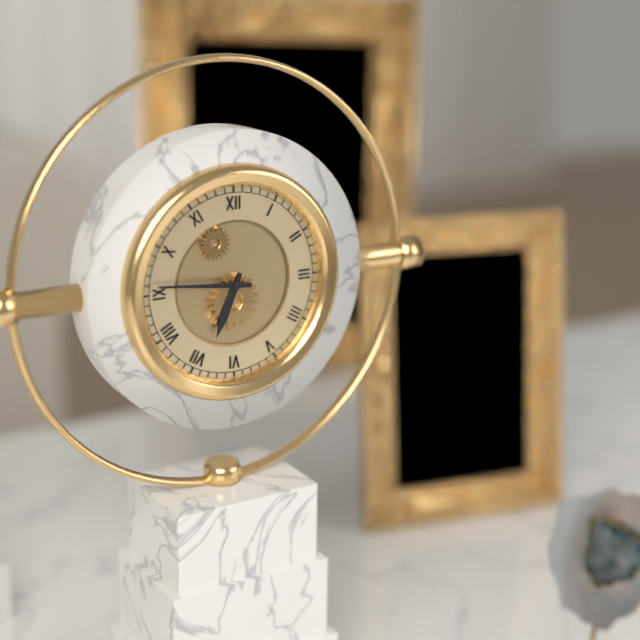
**6:46**
